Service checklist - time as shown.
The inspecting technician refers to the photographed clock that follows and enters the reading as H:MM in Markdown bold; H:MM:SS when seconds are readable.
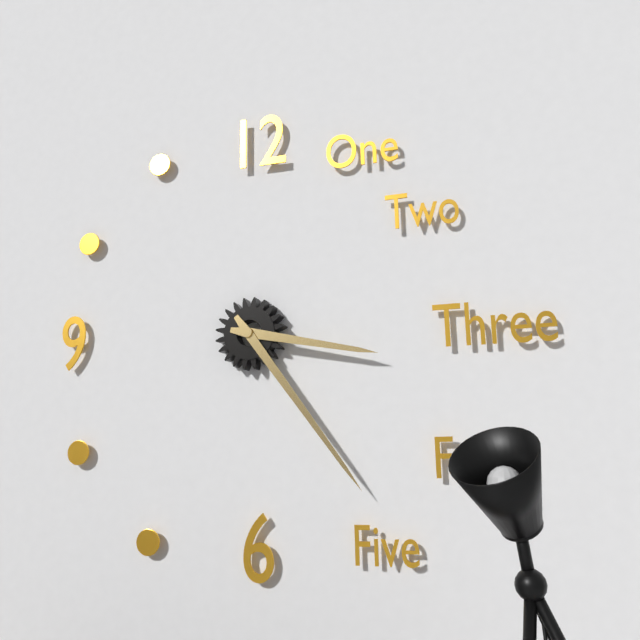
**3:24**
